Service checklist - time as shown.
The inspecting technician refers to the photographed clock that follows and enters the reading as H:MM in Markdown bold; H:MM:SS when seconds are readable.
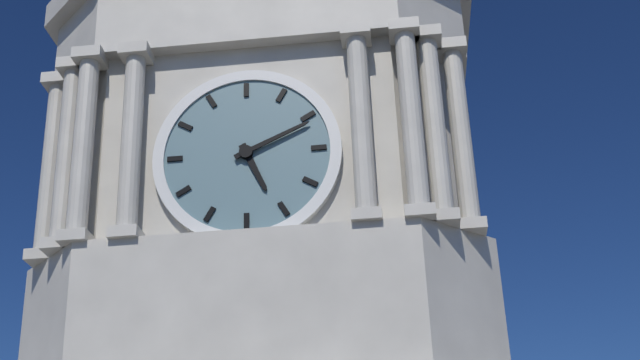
**5:11**
